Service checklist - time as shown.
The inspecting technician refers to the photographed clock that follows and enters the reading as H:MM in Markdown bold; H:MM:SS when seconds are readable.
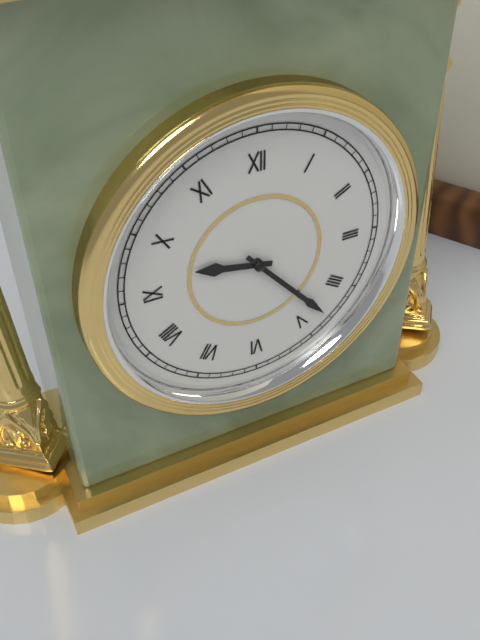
**9:23**
